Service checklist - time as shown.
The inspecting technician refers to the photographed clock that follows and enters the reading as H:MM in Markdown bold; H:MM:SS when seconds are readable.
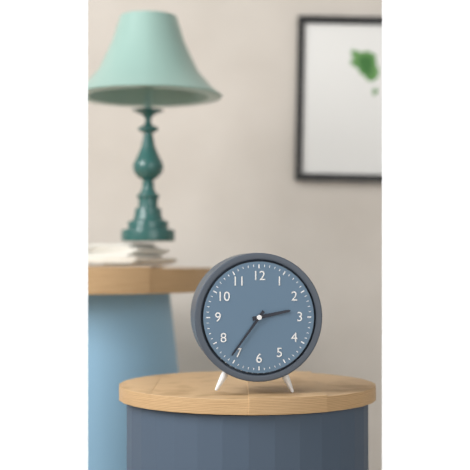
**2:36**
